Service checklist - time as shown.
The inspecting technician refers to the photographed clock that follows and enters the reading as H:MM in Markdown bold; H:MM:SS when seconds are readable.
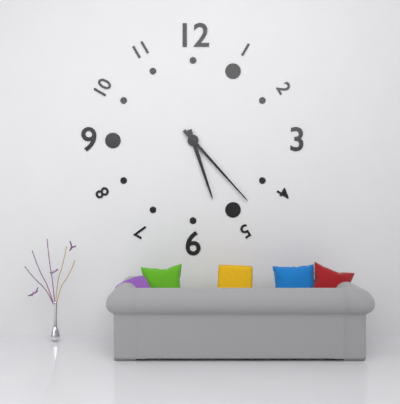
**5:23**
